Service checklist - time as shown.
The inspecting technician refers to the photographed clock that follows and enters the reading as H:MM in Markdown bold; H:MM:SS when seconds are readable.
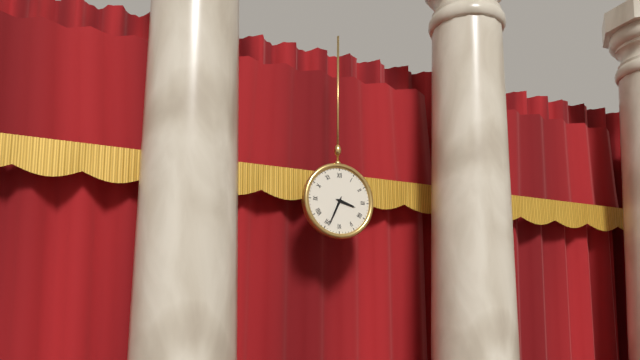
**3:34**
